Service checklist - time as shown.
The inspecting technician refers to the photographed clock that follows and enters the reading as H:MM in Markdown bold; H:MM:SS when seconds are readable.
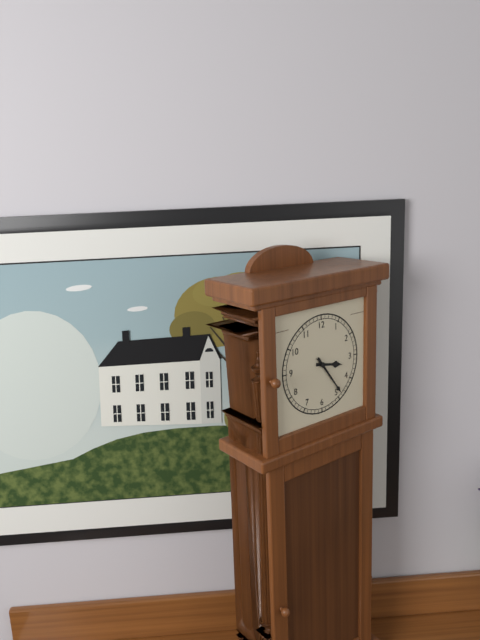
**3:24**
